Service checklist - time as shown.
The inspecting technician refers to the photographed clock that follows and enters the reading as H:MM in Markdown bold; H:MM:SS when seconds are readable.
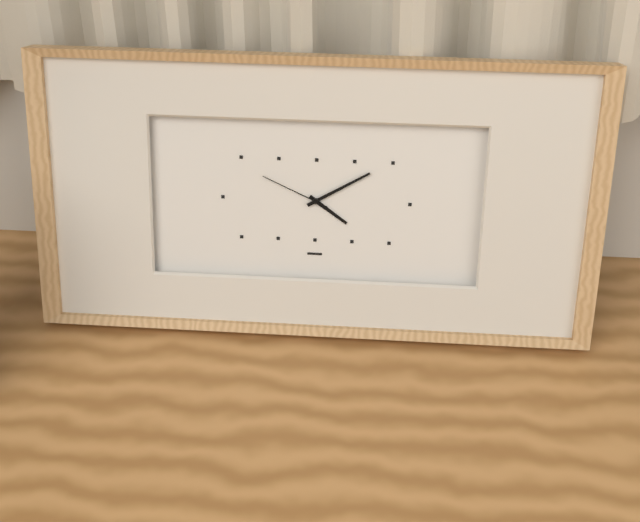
**4:10:49**
